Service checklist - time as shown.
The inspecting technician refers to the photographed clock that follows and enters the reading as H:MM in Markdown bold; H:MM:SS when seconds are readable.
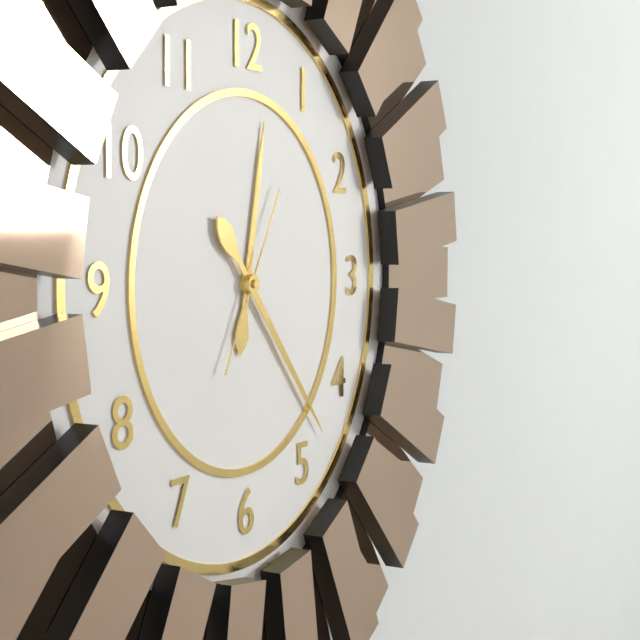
**12:23:05**
